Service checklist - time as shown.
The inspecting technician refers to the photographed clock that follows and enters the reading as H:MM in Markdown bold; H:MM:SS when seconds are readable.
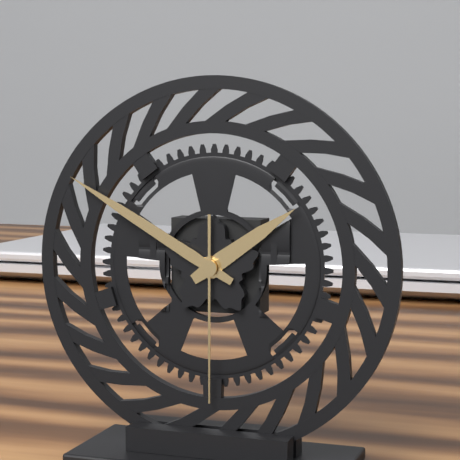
**1:50:30**
